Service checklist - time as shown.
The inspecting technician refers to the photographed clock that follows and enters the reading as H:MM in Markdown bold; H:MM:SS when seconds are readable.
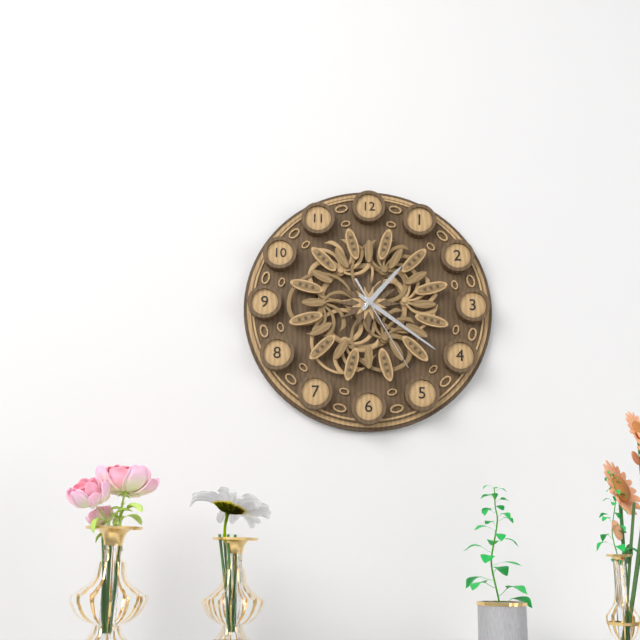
**1:21:25**
